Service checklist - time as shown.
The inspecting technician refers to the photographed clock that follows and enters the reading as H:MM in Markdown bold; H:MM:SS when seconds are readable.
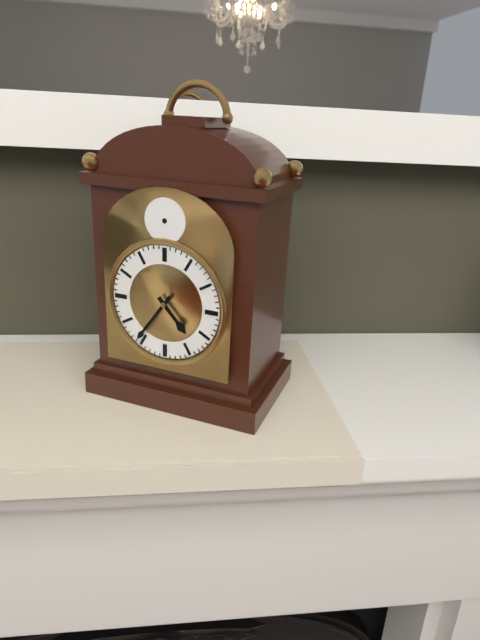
**4:36**
